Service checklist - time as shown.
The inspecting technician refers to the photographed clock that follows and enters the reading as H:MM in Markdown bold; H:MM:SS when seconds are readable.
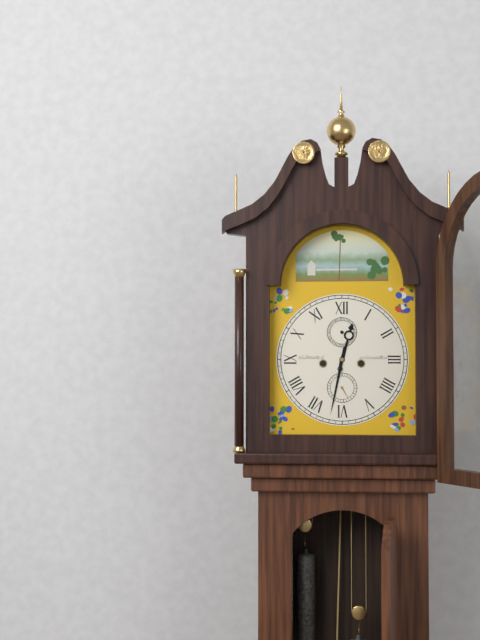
**12:32**
